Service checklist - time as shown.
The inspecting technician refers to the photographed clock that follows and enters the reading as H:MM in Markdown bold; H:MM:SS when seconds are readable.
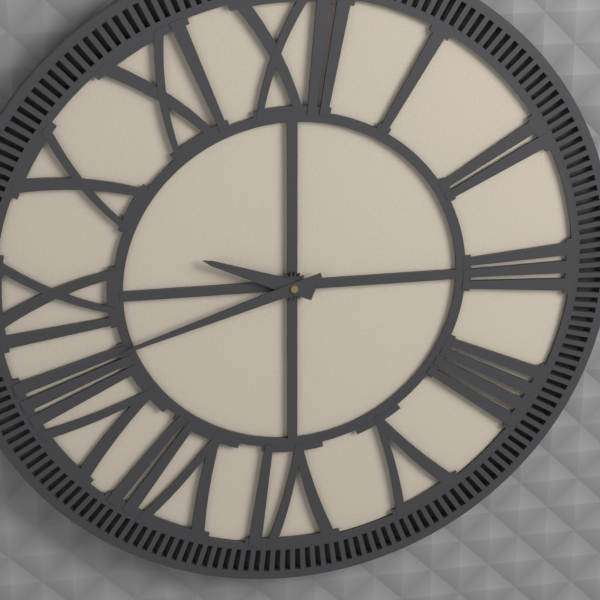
**9:42**
